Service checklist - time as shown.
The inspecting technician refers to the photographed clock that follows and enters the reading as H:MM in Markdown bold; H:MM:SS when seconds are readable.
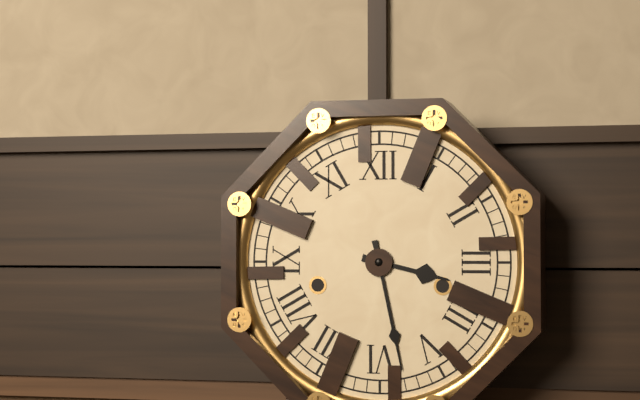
**3:28**
